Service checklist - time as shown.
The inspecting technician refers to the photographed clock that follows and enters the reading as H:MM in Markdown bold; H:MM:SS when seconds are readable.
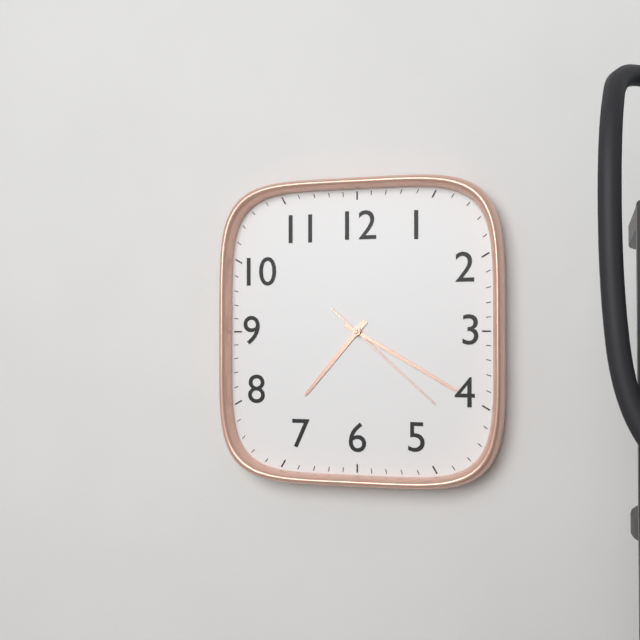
**7:20:22**
